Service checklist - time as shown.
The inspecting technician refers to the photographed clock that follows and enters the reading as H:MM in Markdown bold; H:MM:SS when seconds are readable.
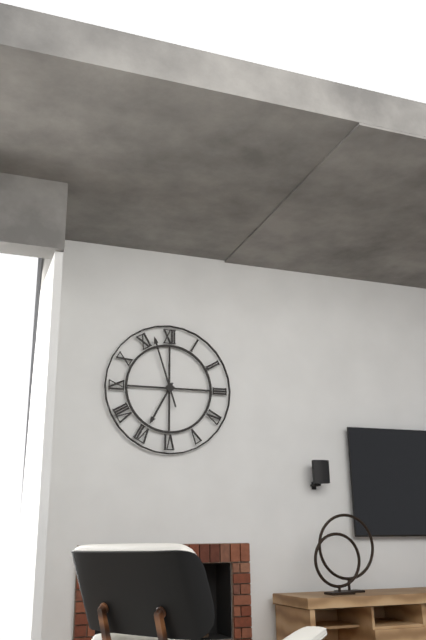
**6:57**
